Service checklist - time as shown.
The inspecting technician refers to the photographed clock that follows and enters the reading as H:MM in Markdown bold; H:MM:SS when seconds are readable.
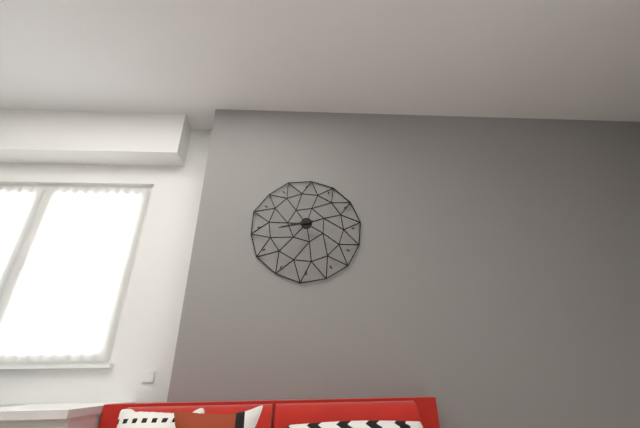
**8:43**
